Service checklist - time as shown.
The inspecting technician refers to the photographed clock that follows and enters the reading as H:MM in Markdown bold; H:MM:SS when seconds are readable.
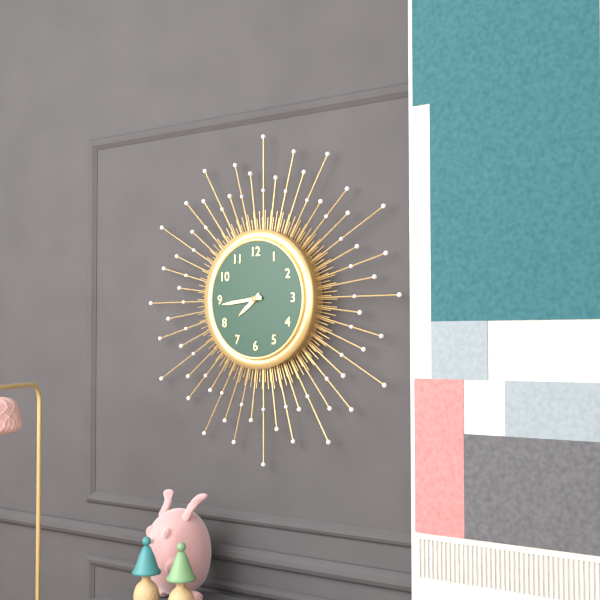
**7:44**
